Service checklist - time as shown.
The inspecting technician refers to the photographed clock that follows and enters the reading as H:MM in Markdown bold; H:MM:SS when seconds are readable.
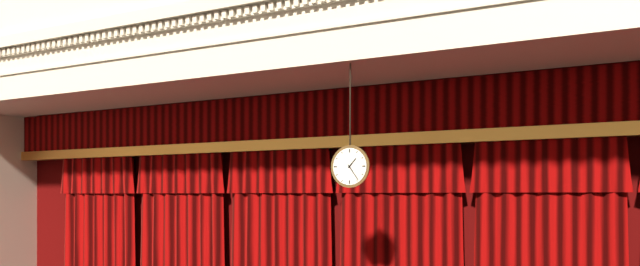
**1:24**
